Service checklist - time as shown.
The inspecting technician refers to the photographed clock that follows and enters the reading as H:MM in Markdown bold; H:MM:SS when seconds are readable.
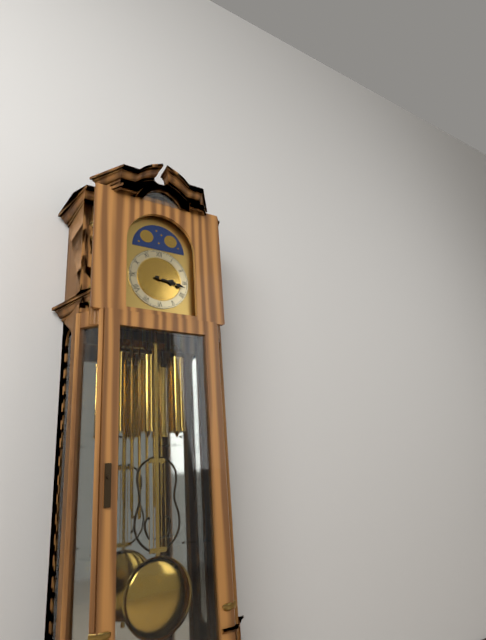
**3:17**
